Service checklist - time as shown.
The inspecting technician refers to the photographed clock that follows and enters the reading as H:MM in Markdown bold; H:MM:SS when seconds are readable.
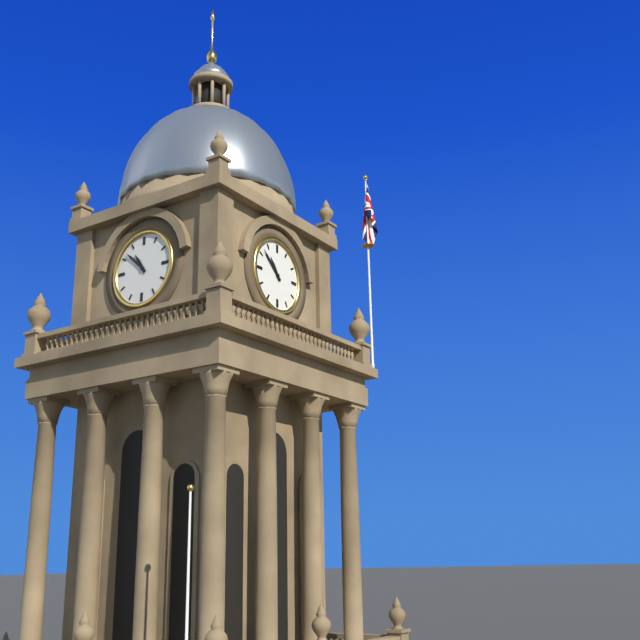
**10:52**
